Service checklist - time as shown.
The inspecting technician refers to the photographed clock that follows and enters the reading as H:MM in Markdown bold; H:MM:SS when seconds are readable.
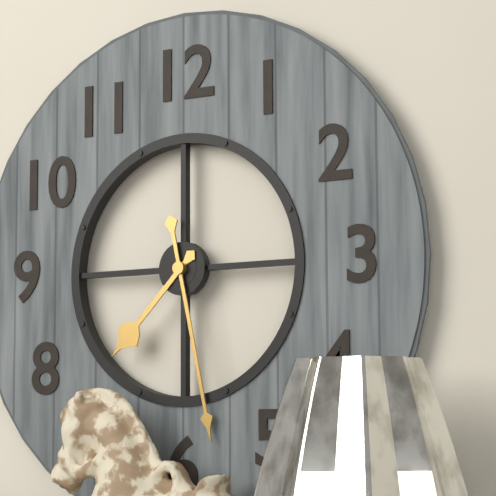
**7:28**
